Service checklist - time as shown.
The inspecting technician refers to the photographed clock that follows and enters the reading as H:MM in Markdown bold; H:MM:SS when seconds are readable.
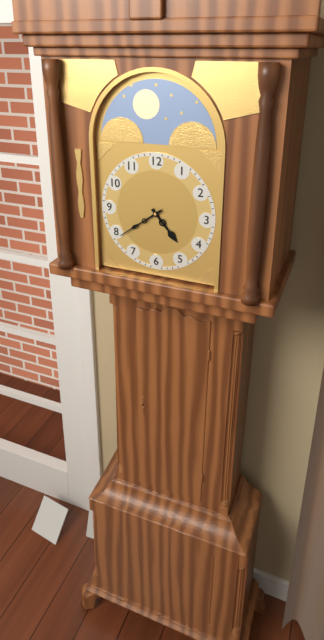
**4:39**
